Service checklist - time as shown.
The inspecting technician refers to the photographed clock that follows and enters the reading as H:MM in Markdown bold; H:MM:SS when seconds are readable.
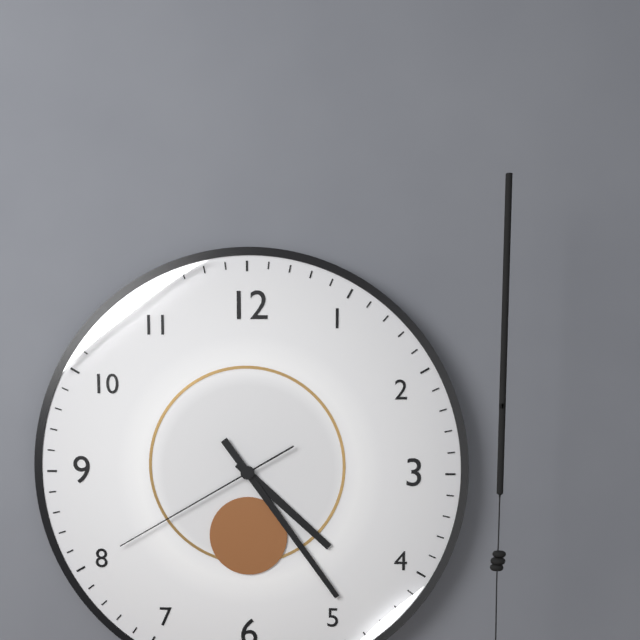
**4:24:40**
